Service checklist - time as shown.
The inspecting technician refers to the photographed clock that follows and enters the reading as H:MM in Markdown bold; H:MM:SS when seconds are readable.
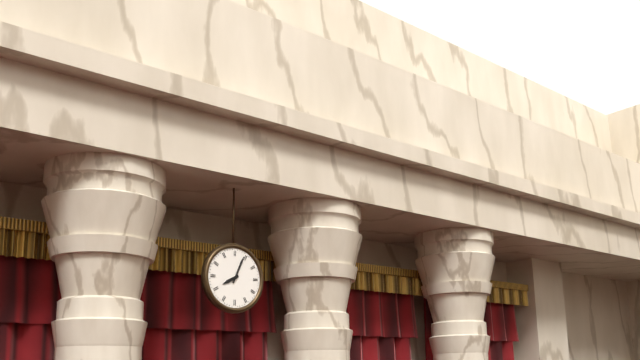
**8:04**
